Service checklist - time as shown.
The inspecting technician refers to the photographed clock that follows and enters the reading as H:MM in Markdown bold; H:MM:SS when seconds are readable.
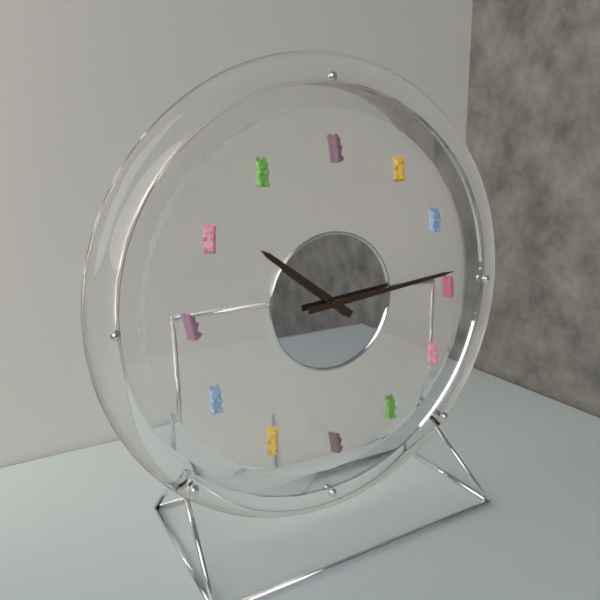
**10:14**
